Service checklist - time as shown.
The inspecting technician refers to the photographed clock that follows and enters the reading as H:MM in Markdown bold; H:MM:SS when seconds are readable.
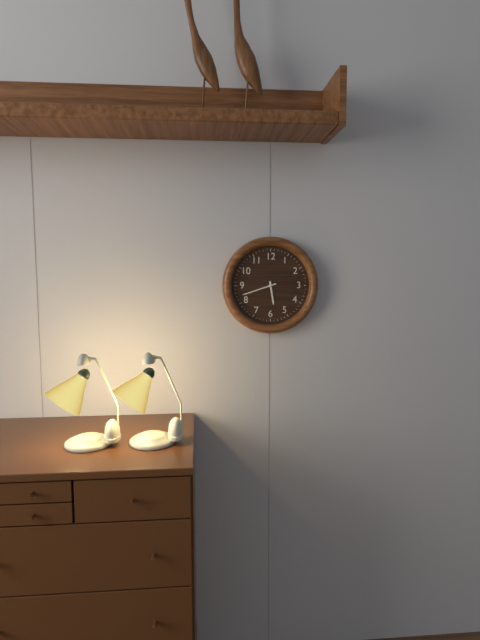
**5:42**
